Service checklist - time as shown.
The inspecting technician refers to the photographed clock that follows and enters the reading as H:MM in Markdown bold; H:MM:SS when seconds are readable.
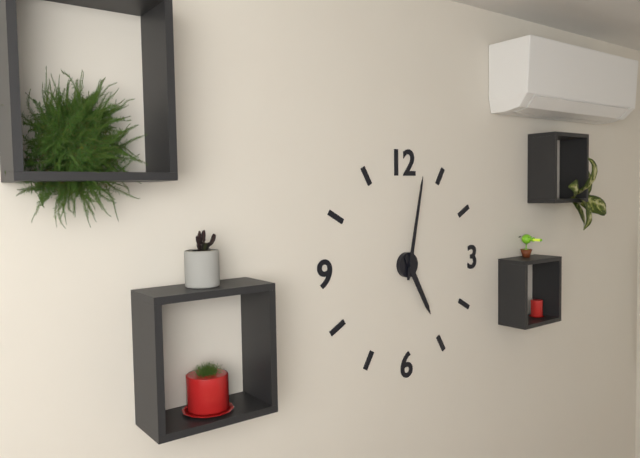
**5:02**
